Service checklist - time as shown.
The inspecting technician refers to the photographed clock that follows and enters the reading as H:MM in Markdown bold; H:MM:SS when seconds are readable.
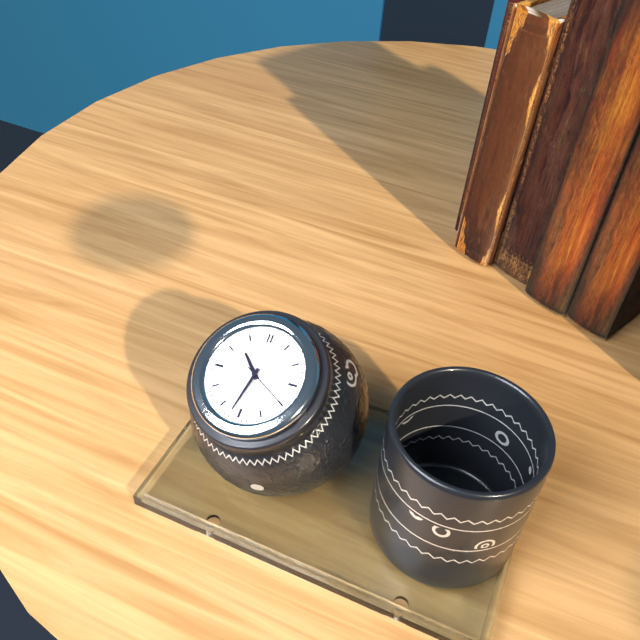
**10:32**
